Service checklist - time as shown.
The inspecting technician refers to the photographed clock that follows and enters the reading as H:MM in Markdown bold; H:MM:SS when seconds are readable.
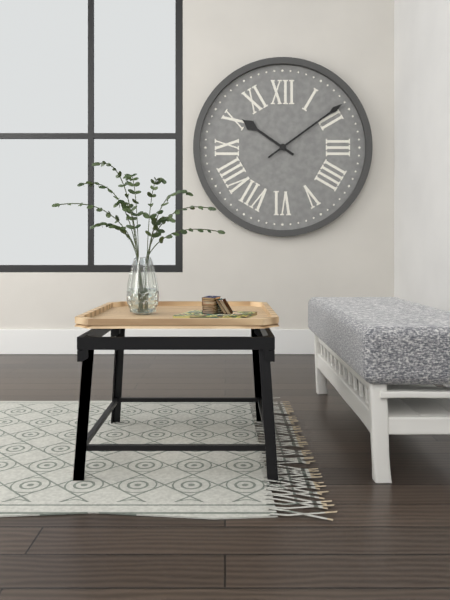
**10:09**
